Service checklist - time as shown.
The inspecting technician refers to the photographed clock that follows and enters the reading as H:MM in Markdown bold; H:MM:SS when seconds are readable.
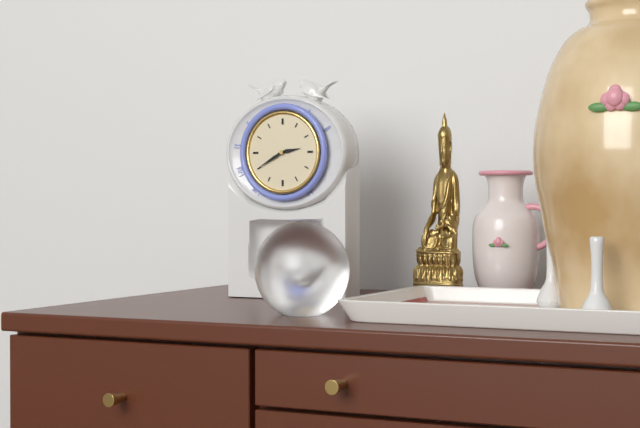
**2:40**
